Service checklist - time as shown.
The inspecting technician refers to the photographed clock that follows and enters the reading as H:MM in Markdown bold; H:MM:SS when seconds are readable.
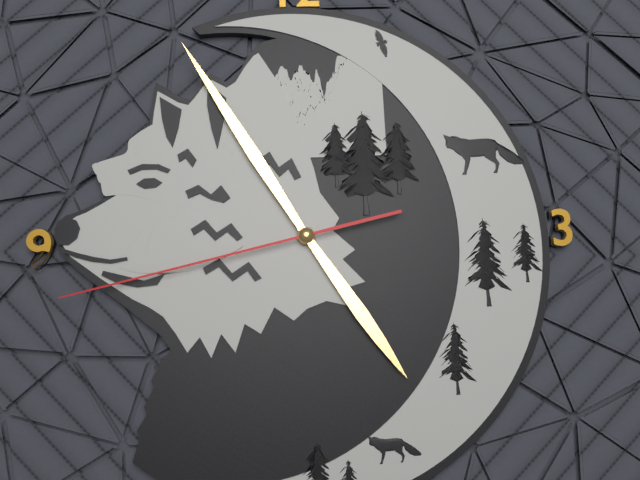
**4:55:43**
